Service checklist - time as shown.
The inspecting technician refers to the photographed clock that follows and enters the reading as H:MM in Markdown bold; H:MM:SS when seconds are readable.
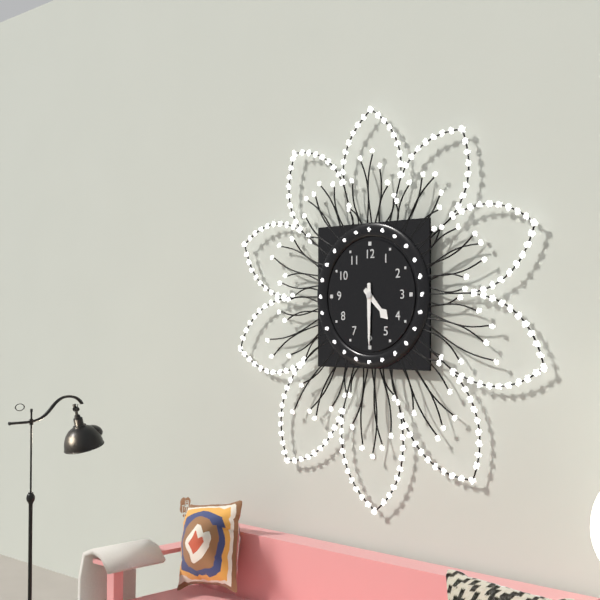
**4:30**
